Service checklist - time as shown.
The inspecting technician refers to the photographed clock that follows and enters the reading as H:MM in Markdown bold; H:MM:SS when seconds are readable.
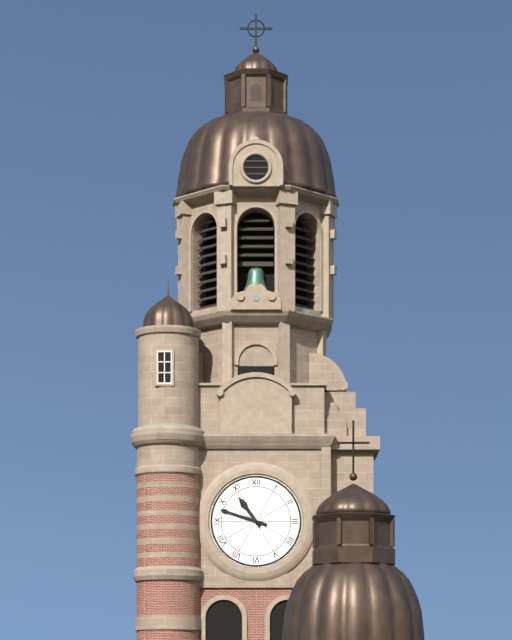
**10:48**
